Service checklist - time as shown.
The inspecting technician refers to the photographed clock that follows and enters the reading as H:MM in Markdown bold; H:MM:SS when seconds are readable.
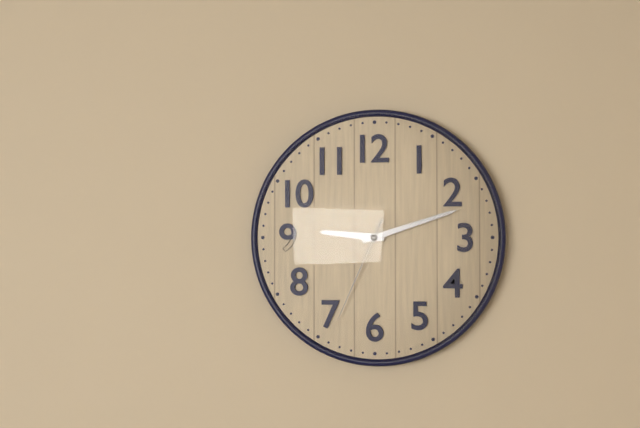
**9:12:34**
